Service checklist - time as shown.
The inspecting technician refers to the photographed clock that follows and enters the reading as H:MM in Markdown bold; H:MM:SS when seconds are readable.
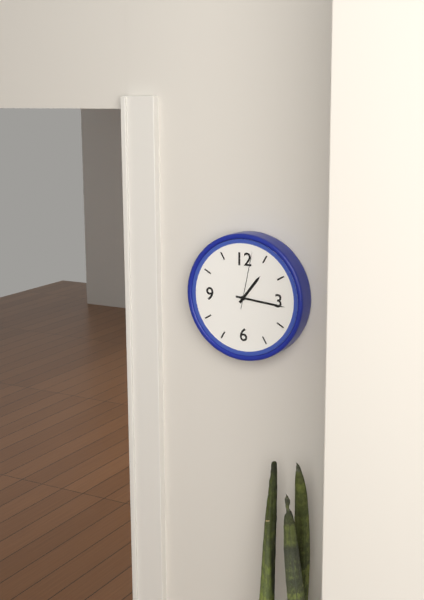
**1:16:02**
